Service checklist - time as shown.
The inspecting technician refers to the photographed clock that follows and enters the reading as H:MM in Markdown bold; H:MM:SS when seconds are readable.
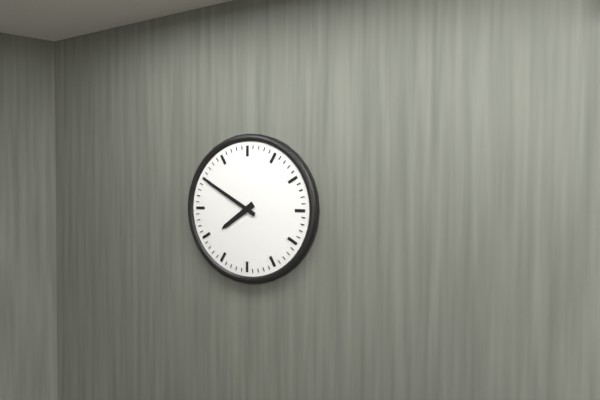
**7:50**
